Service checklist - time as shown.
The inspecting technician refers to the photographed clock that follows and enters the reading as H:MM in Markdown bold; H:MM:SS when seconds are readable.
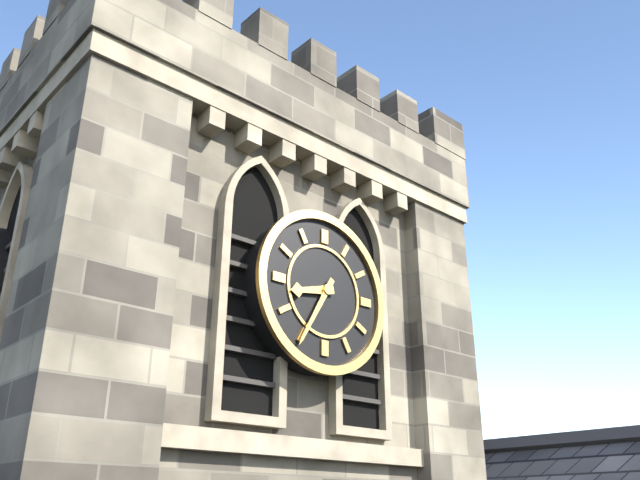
**8:35**
